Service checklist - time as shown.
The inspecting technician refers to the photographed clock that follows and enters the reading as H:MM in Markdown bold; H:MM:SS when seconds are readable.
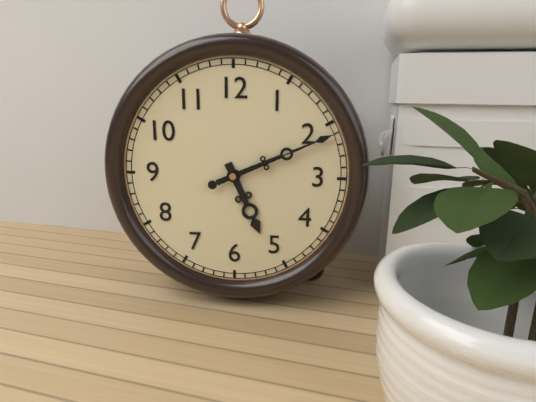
**5:11:11**
